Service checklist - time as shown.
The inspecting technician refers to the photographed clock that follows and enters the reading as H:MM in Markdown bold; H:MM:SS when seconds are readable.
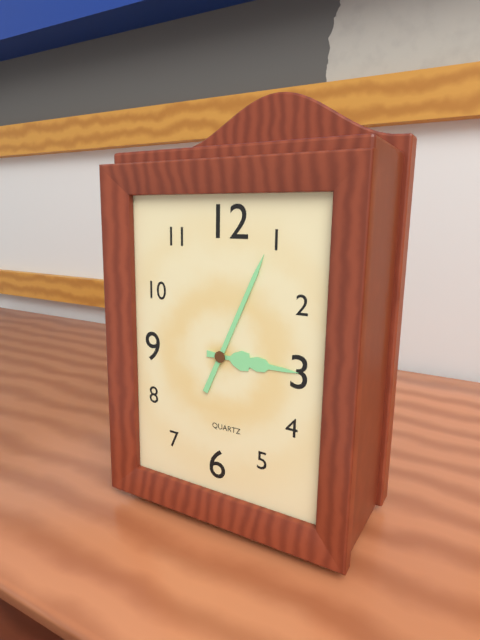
**3:04**
